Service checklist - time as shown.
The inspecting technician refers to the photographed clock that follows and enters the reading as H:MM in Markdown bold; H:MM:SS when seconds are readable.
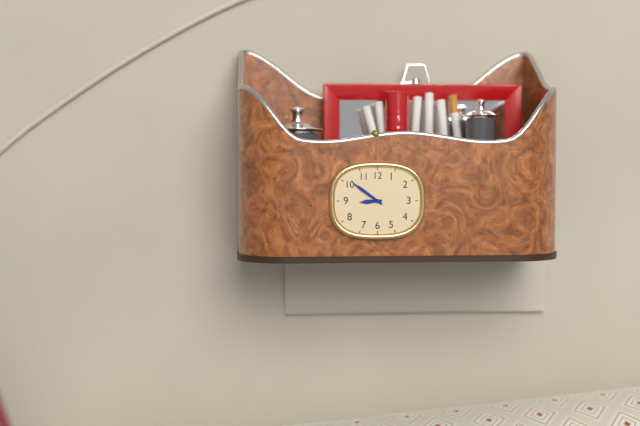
**8:51**
